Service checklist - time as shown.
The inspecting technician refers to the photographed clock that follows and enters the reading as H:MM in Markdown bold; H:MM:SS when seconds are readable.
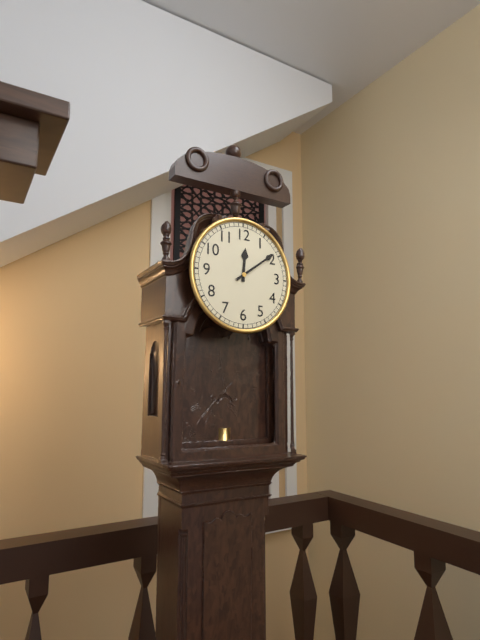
**12:09**
